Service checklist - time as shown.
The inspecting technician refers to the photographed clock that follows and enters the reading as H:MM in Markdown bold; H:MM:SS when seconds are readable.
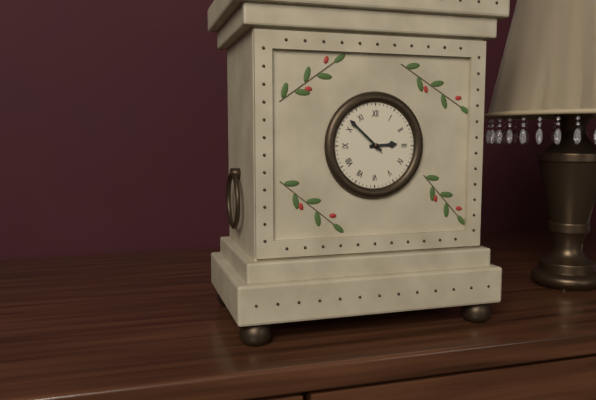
**2:52**
